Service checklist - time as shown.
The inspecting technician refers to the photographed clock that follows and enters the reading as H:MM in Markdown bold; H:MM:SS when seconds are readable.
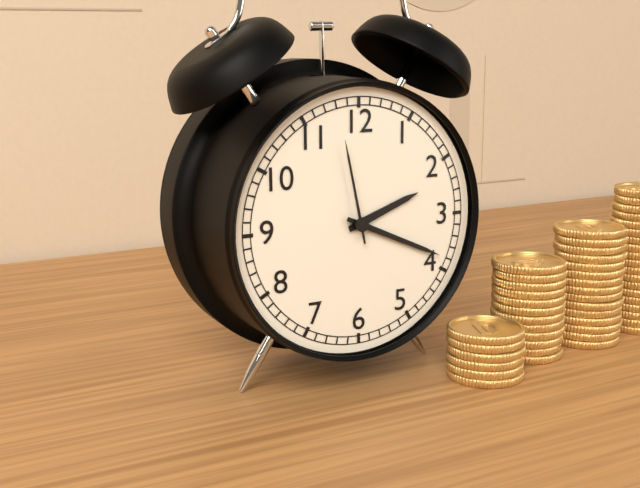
**2:19:58**
